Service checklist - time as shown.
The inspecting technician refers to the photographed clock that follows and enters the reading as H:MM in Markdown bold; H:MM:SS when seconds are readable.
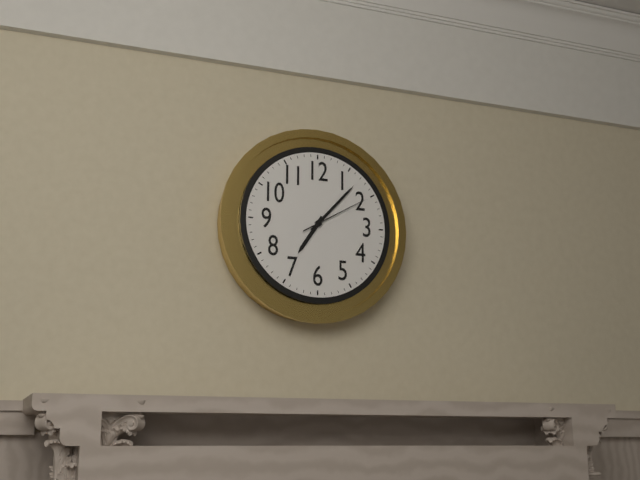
**7:07:10**
